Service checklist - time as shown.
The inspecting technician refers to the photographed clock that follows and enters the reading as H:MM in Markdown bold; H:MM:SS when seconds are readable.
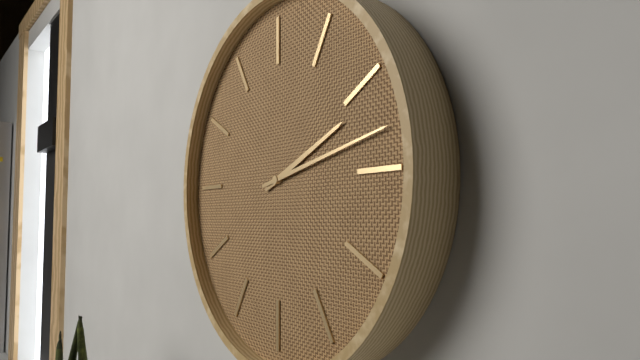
**2:13**
